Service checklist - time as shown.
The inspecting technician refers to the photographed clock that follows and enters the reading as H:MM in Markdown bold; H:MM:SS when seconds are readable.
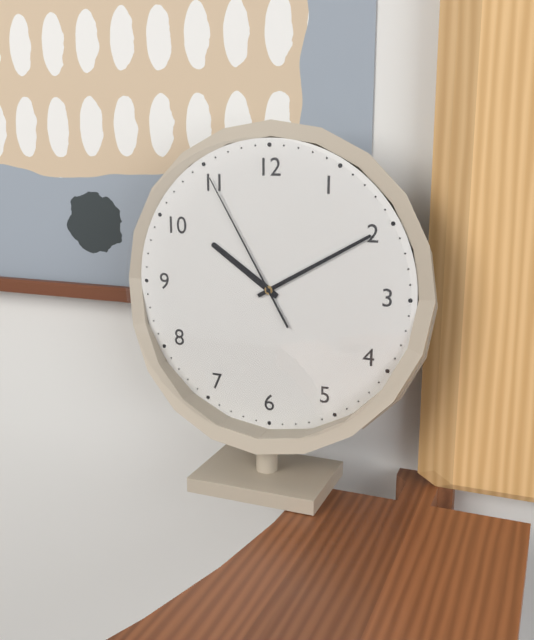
**10:10:55**
